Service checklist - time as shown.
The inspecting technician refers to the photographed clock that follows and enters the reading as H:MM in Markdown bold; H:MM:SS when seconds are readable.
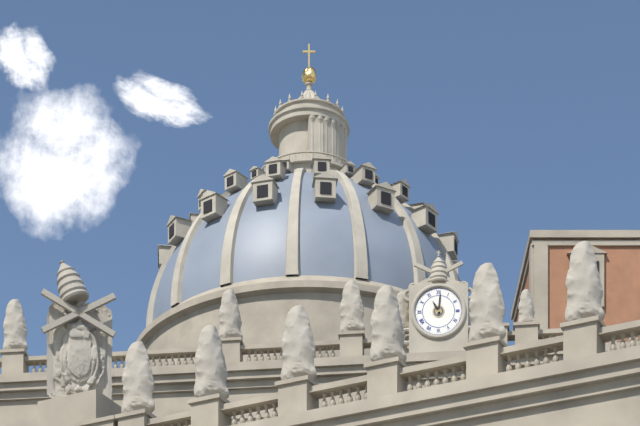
**11:01**
